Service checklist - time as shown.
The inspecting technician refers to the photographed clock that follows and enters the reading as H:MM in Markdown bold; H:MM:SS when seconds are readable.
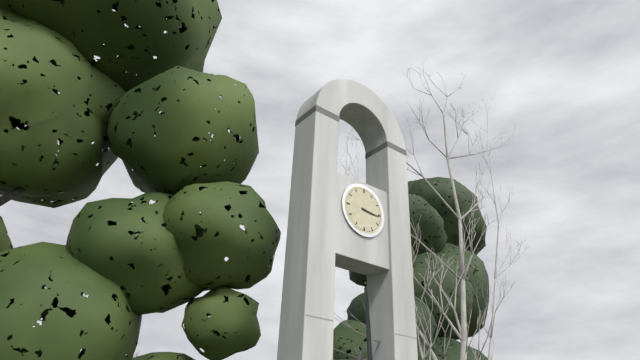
**3:16**
